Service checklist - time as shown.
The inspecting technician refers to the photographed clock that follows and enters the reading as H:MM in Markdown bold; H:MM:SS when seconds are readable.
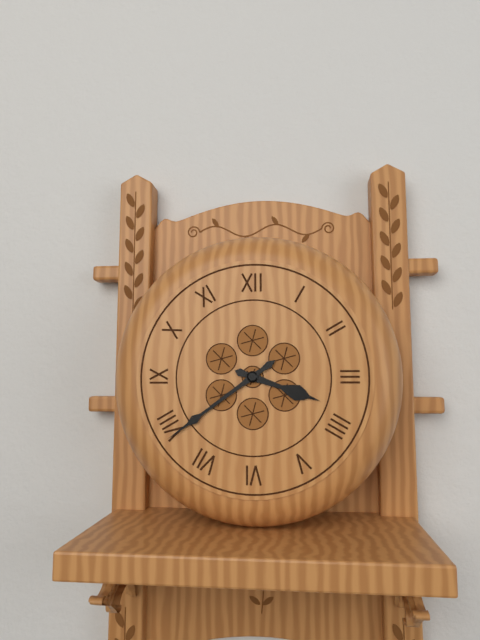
**3:39**
